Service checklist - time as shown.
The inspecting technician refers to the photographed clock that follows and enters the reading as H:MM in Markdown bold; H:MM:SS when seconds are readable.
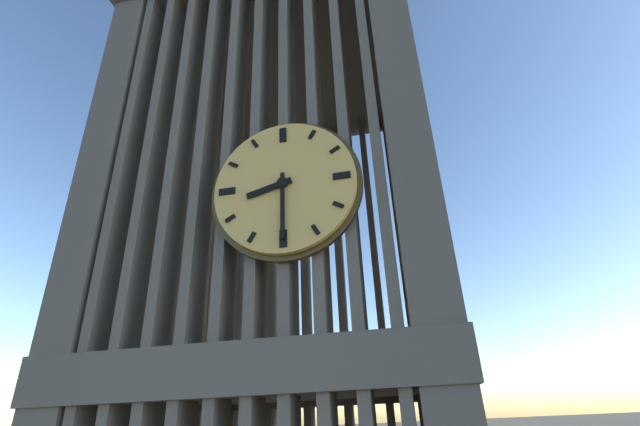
**8:30**
